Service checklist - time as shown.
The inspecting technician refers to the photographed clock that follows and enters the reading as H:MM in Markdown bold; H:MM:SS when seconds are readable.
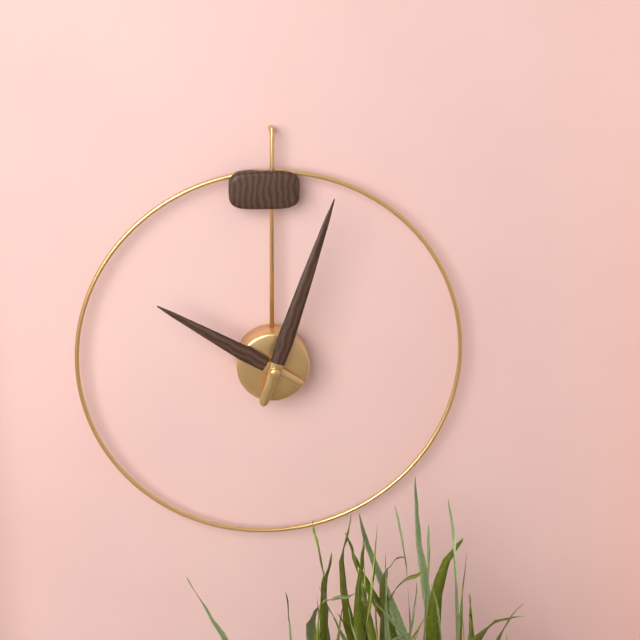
**10:03**
